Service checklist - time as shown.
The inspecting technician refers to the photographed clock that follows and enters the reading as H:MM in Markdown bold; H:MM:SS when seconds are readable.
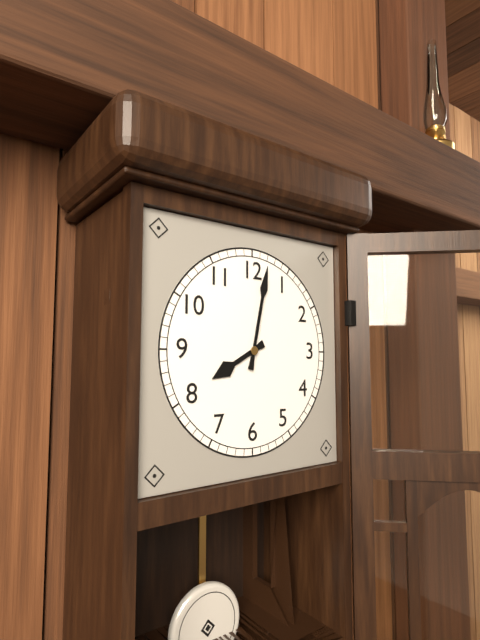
**8:02**
